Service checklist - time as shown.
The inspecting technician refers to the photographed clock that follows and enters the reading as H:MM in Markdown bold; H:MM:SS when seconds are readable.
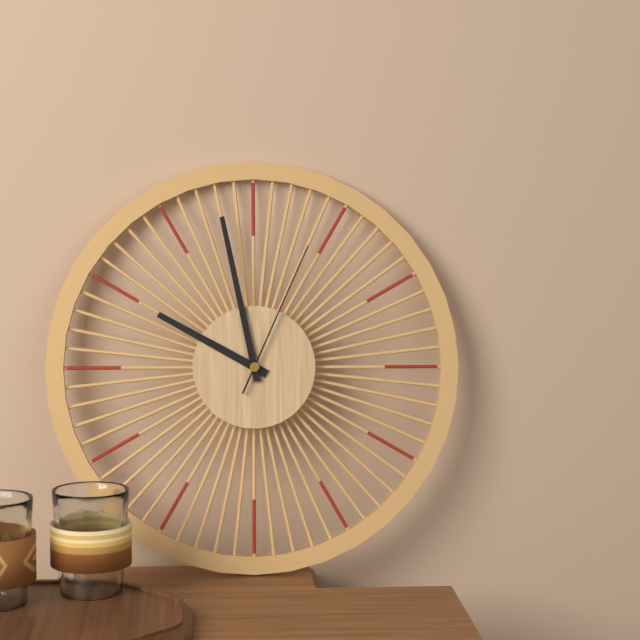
**9:58:04**
